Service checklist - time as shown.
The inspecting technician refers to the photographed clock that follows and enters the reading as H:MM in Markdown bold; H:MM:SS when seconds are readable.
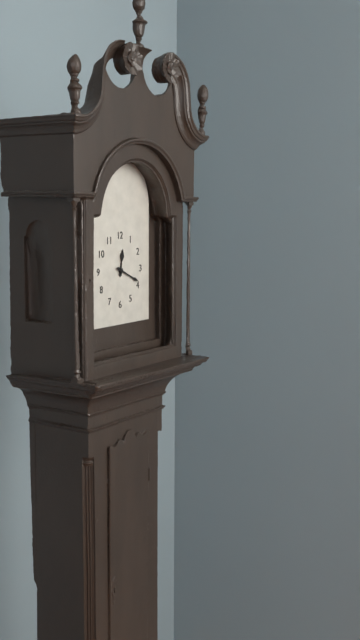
**12:19**
